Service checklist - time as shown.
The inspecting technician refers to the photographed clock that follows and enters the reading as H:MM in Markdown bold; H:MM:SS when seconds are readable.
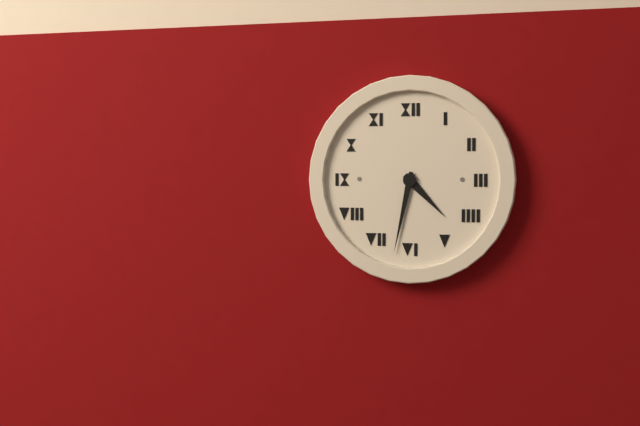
**4:32**
